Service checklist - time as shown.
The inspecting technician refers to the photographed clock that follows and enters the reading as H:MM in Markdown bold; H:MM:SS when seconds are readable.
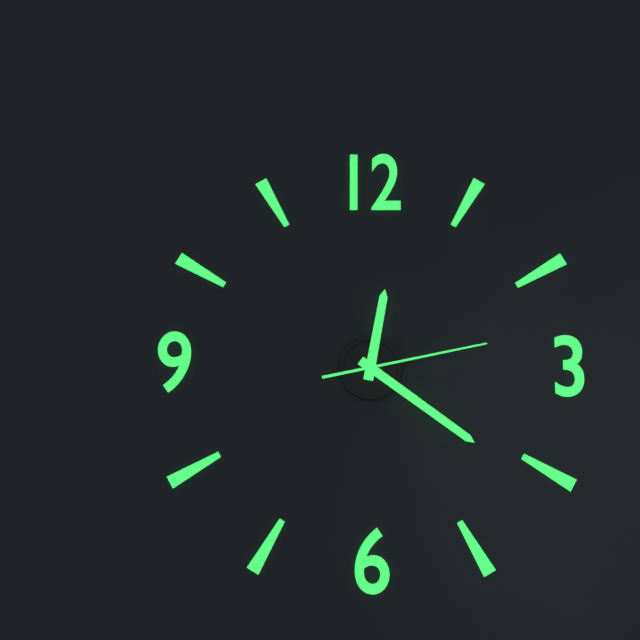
**12:21:13**
